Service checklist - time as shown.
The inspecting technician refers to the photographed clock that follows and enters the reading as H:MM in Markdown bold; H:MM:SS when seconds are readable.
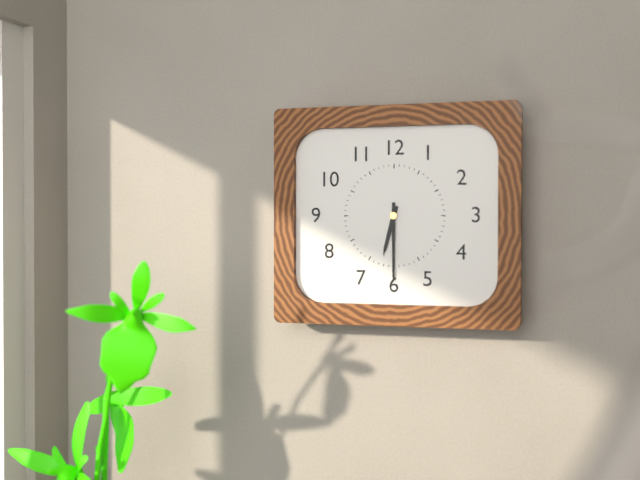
**6:30**
